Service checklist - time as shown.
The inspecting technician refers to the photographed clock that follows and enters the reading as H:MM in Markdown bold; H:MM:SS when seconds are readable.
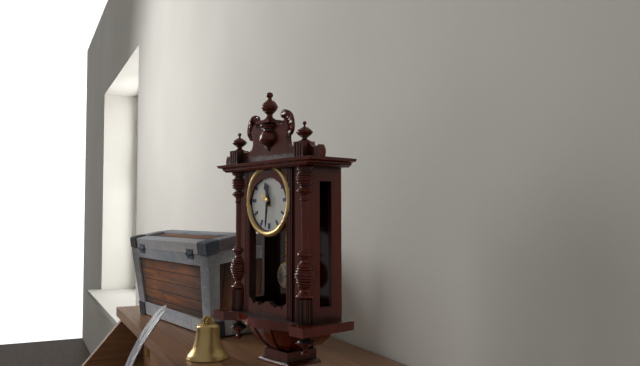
**11:31**
